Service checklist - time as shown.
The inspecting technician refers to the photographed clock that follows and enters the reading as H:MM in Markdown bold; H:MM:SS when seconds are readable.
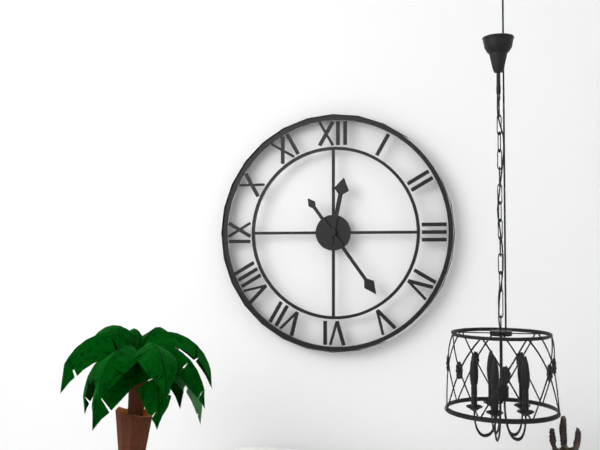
**12:24**
